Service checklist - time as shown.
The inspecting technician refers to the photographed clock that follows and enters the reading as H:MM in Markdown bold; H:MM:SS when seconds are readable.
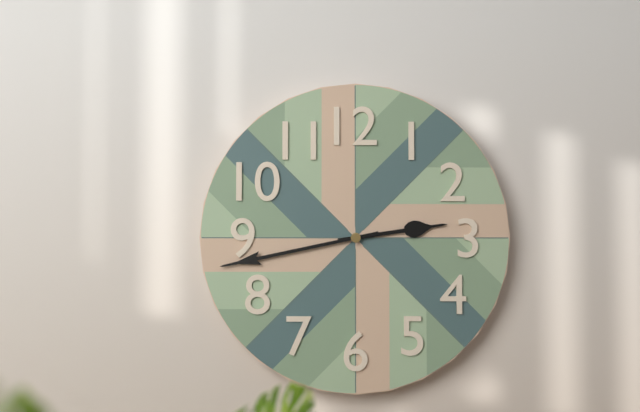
**2:43**
